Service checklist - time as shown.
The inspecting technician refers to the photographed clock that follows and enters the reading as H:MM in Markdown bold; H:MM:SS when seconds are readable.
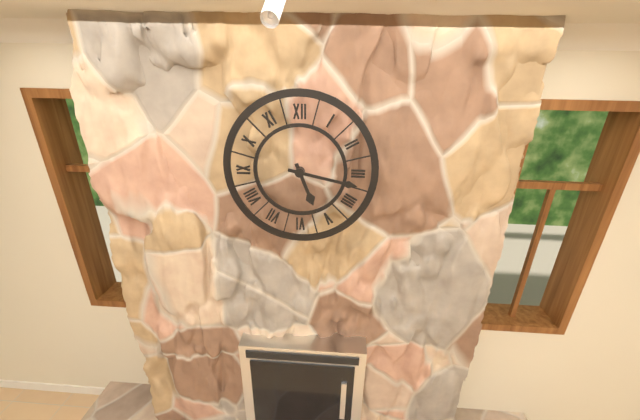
**5:17**
